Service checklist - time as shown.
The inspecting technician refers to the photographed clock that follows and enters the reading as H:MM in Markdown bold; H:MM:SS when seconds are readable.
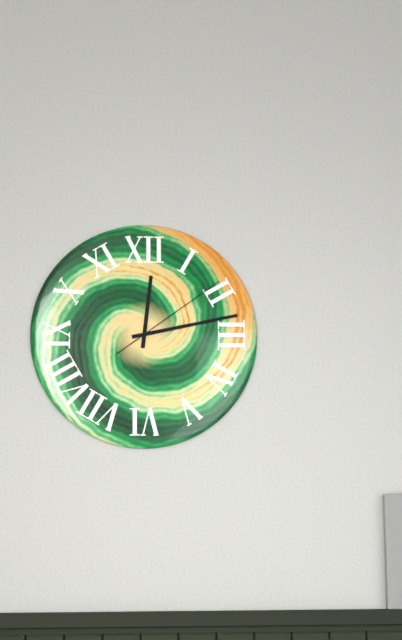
**12:13:09**
